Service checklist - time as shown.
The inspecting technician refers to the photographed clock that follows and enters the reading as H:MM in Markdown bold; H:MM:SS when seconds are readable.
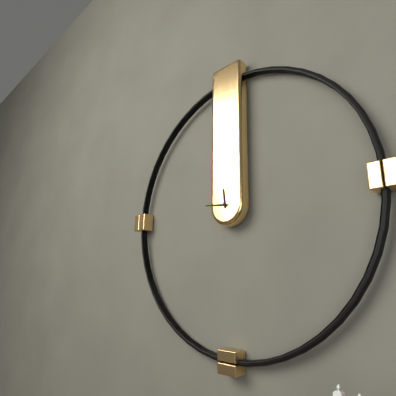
**11:46**
